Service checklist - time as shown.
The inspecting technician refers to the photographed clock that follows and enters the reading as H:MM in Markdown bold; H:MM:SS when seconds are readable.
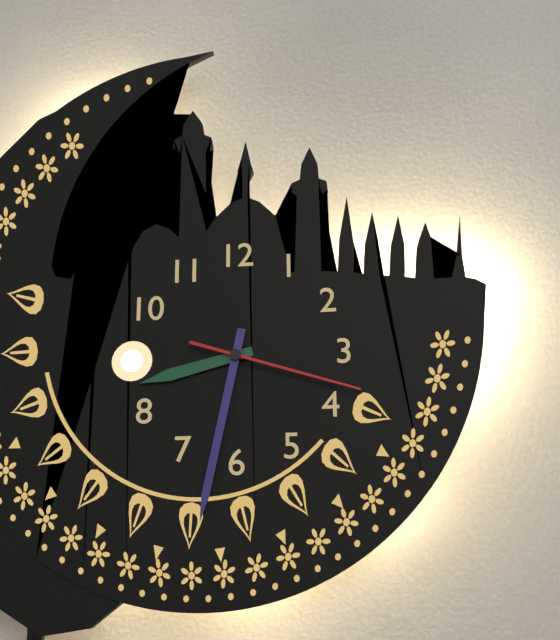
**8:32:18**
